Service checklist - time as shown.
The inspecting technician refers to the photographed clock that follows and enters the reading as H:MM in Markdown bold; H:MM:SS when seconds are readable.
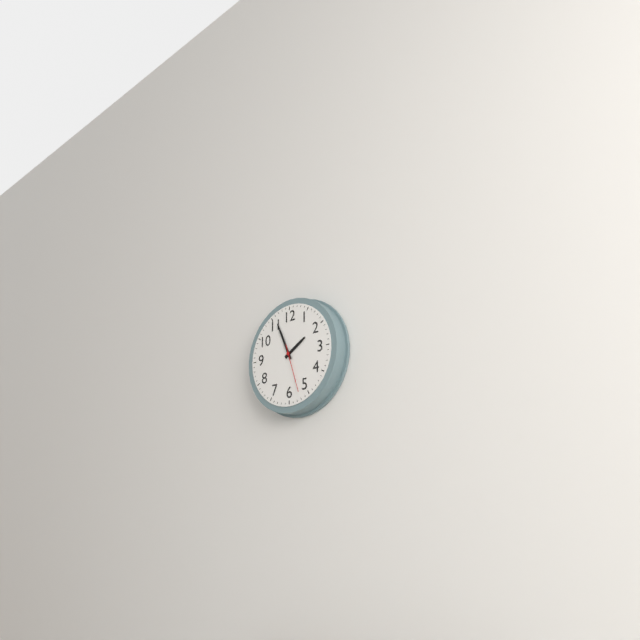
**1:56**
